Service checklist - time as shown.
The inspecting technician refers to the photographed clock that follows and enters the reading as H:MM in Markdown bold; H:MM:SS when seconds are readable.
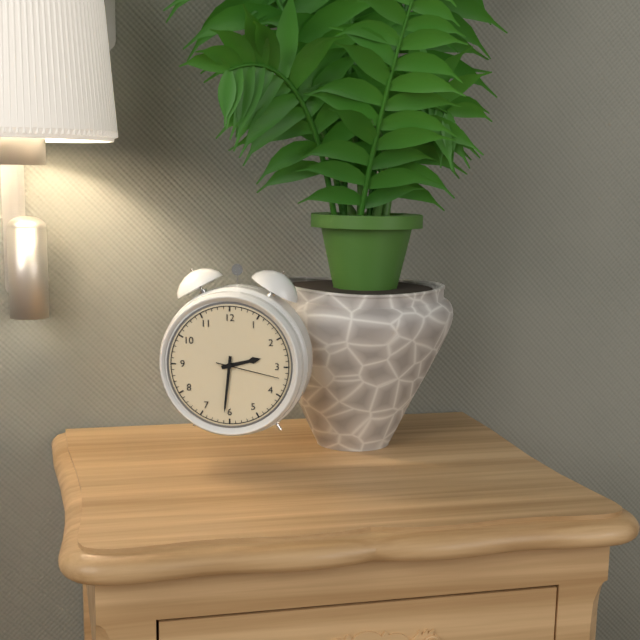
**2:31:17**
